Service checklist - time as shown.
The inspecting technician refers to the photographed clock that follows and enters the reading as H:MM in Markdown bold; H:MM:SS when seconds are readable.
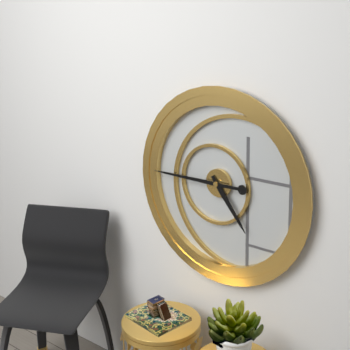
**4:45**
